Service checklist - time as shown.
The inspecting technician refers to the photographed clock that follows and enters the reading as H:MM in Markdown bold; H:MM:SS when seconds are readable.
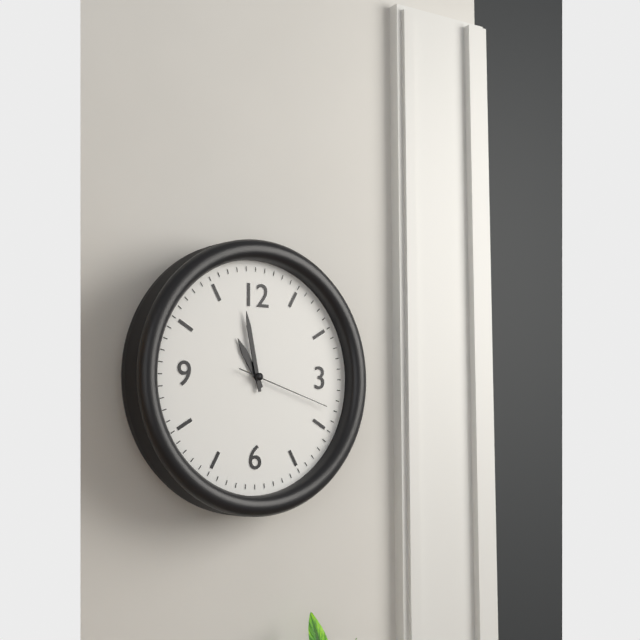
**10:58:18**
